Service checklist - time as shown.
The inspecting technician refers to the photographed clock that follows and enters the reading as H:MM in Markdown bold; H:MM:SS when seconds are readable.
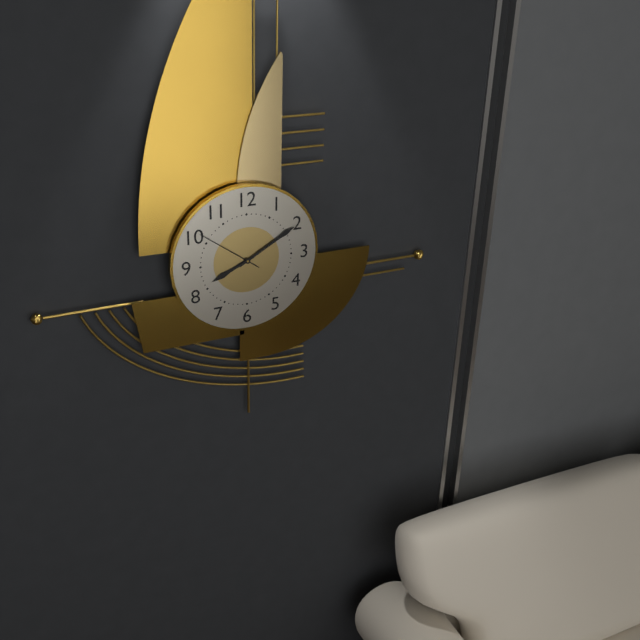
**8:10:51**
